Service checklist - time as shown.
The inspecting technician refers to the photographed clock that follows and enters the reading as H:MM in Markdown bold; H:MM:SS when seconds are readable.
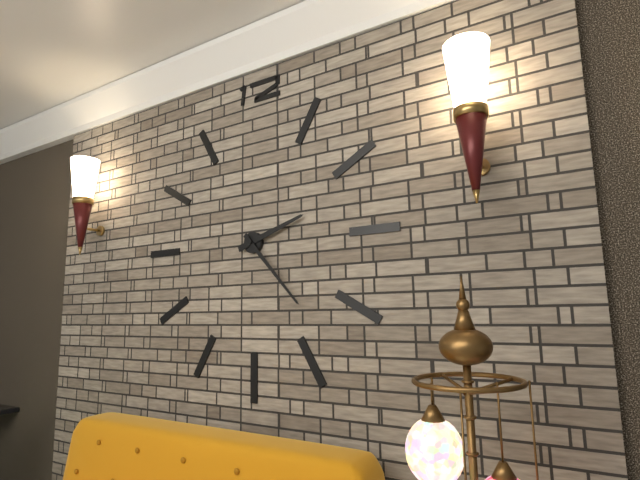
**2:23**
